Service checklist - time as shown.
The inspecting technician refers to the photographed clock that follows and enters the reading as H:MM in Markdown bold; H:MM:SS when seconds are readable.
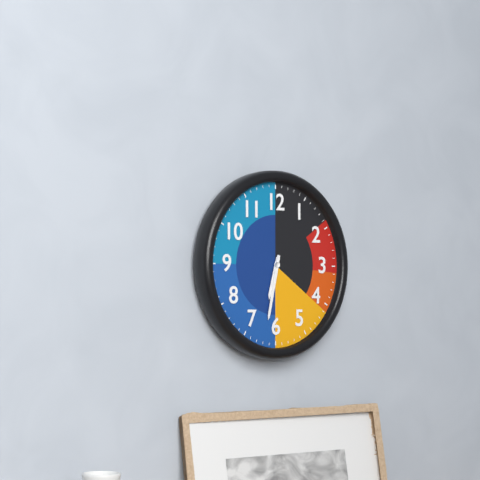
**6:32**
